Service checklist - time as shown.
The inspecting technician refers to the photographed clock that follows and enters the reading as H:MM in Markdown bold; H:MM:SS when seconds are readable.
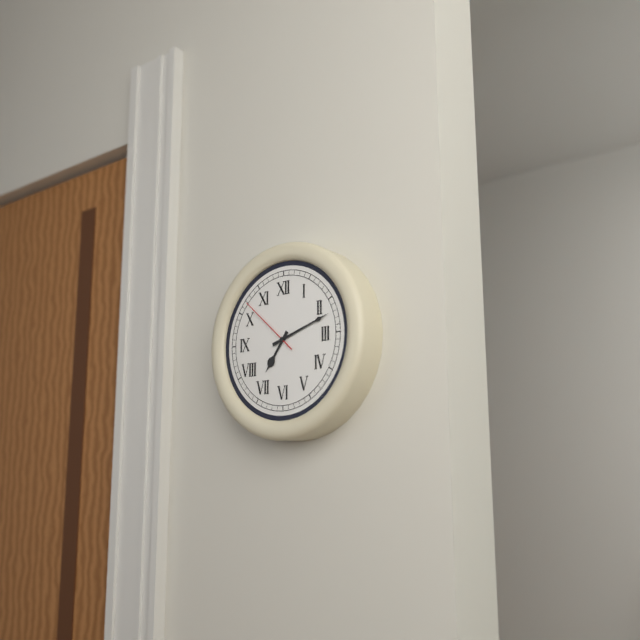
**7:12:52**
